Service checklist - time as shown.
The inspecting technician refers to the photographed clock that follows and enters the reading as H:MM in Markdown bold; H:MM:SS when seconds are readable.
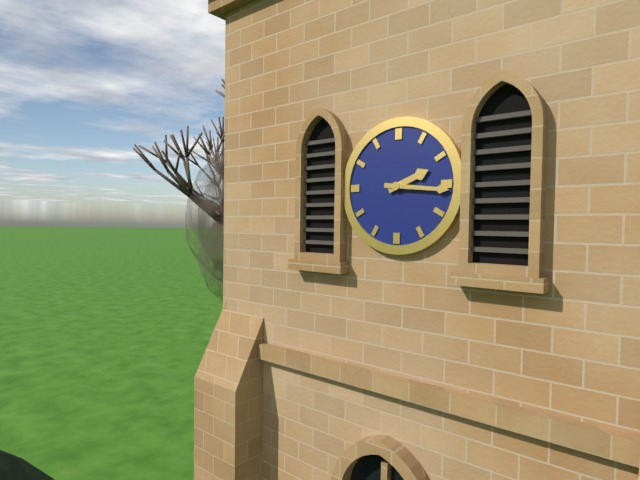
**2:16**
